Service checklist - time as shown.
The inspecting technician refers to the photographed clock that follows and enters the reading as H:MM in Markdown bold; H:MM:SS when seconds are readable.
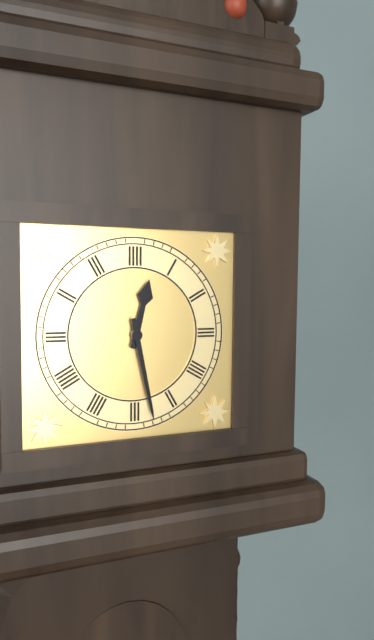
**12:28**
